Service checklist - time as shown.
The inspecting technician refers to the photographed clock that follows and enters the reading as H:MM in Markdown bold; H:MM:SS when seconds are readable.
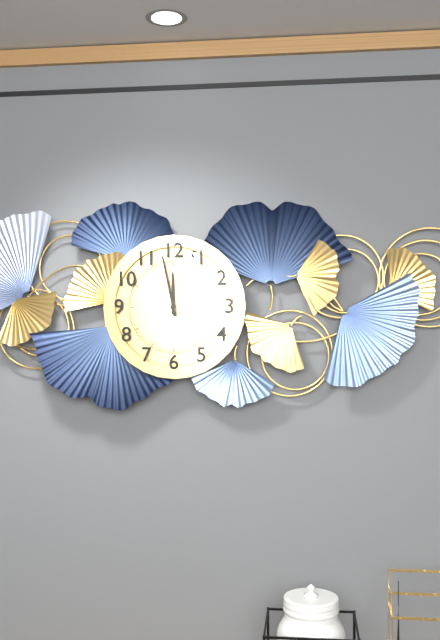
**11:58**
